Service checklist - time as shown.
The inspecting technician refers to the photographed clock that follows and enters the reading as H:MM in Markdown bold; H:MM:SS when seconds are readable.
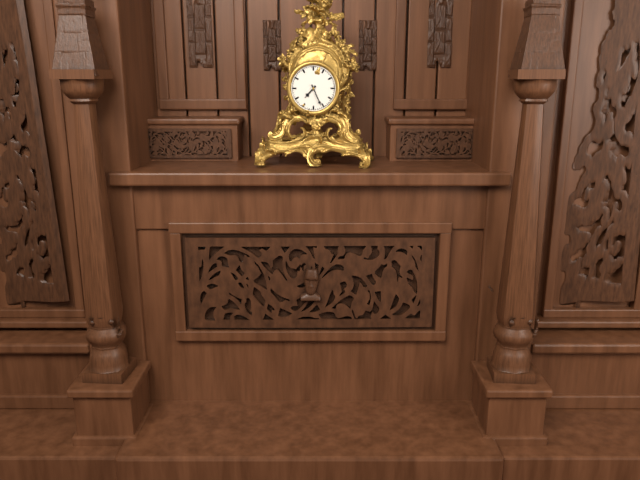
**7:26**
